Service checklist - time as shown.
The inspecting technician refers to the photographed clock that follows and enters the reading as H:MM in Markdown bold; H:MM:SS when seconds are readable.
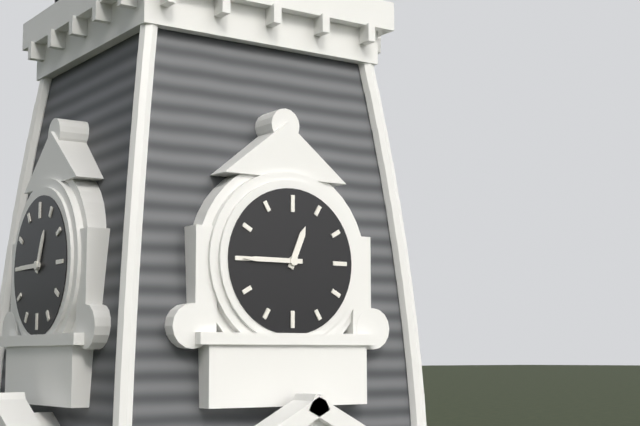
**12:45**
